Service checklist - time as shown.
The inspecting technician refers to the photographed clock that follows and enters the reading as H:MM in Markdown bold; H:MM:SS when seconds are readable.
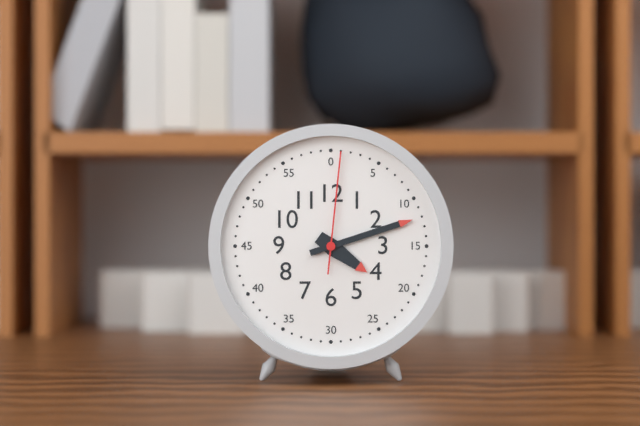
**4:12:01**
